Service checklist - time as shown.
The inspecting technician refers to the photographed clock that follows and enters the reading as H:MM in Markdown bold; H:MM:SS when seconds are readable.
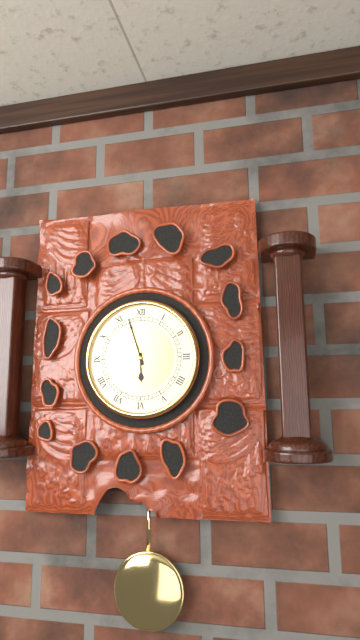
**5:57**
